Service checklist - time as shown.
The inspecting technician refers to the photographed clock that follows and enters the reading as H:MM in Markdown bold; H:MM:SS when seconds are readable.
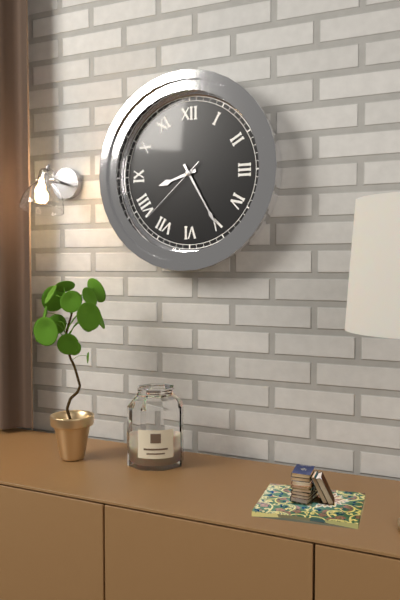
**8:25:38**
